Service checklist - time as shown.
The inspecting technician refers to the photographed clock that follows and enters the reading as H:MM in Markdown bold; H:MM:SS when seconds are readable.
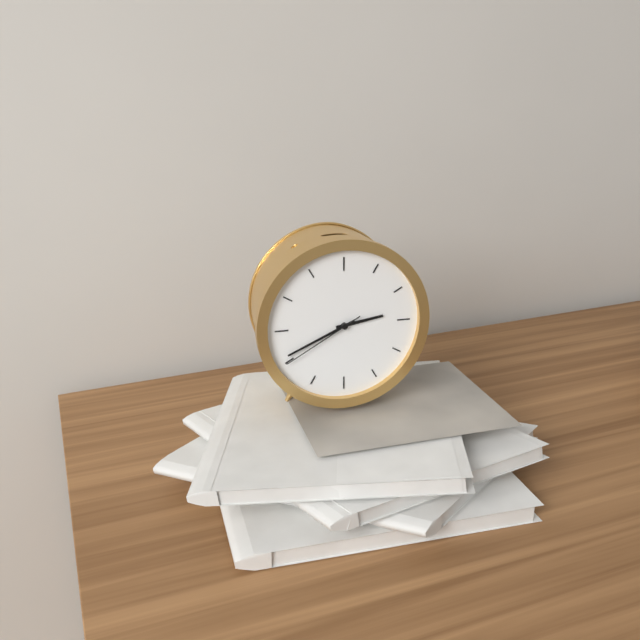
**2:41:40**
